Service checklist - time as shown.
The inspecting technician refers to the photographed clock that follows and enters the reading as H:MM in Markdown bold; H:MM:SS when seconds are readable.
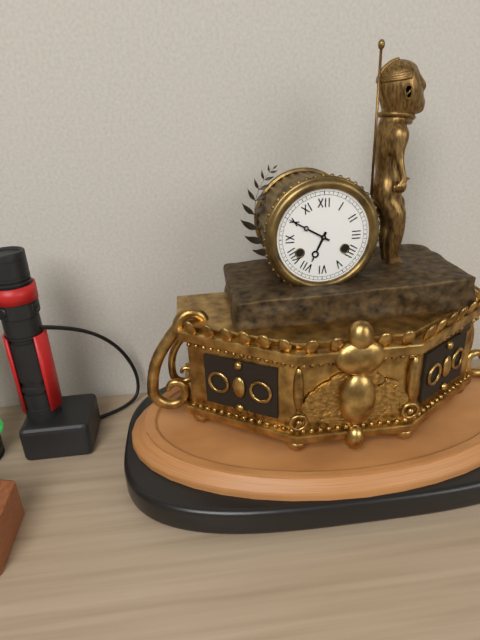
**6:50**
